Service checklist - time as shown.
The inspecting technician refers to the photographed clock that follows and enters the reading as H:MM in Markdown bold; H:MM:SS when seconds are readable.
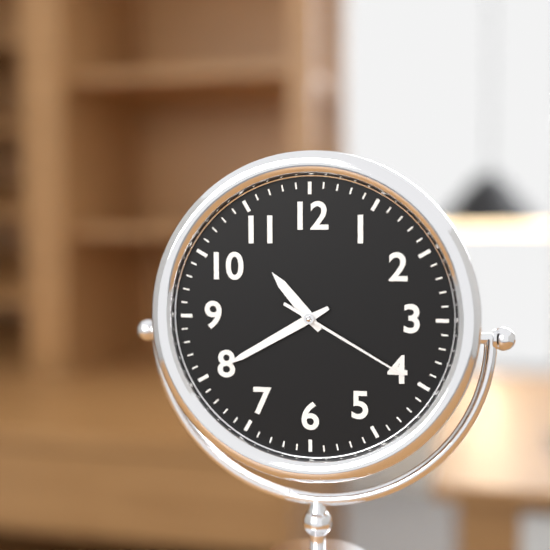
**10:40:20**
